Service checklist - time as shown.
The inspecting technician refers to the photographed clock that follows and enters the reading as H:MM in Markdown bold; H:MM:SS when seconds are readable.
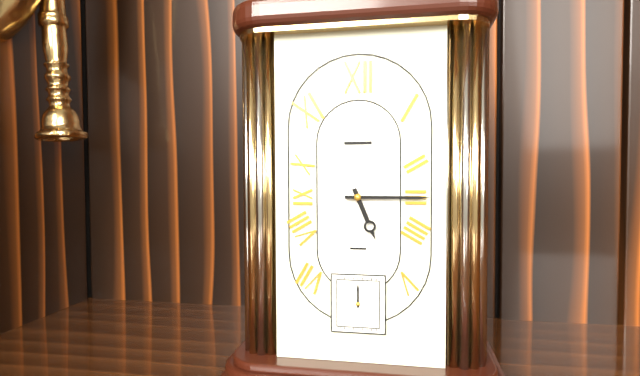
**5:15**
